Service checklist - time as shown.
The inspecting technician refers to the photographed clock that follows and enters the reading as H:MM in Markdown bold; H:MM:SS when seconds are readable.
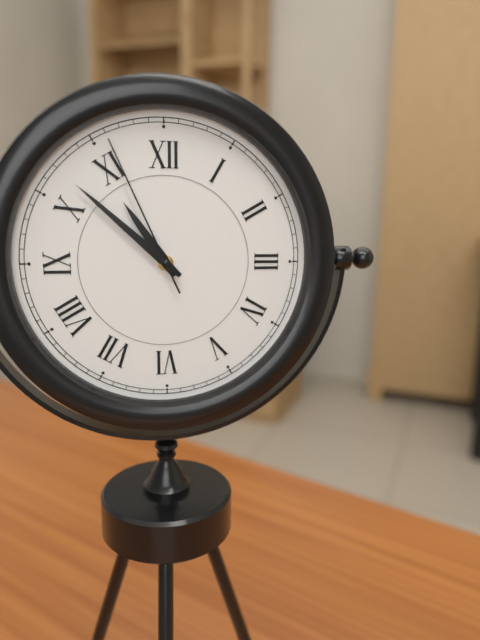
**10:52:56**
